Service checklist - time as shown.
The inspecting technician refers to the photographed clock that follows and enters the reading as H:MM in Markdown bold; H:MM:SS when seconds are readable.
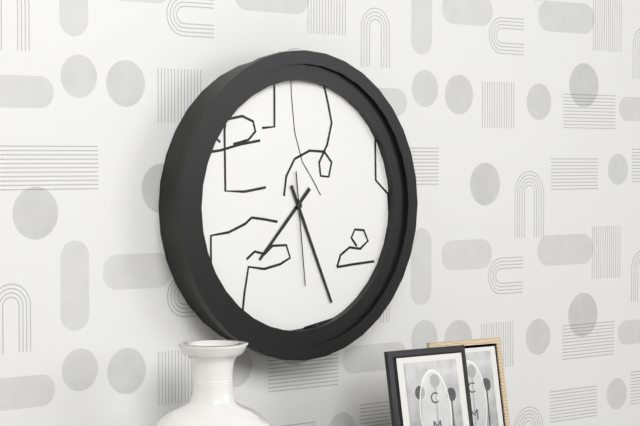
**7:26:29**
